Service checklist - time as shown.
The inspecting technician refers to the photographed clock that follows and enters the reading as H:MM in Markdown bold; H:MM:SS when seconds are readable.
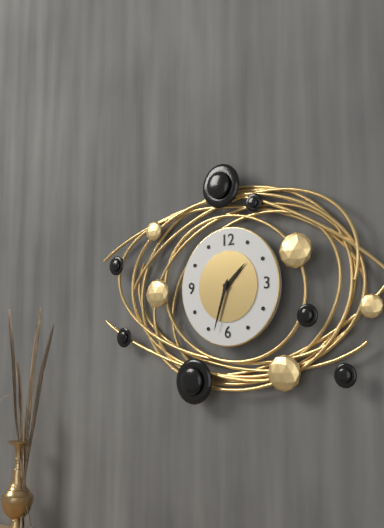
**1:33**
